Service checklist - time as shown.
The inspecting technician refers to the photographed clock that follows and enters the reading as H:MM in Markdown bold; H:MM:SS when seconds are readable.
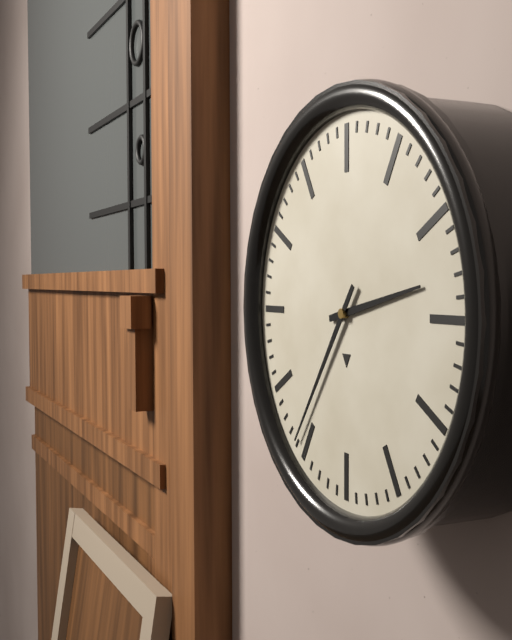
**2:36**
